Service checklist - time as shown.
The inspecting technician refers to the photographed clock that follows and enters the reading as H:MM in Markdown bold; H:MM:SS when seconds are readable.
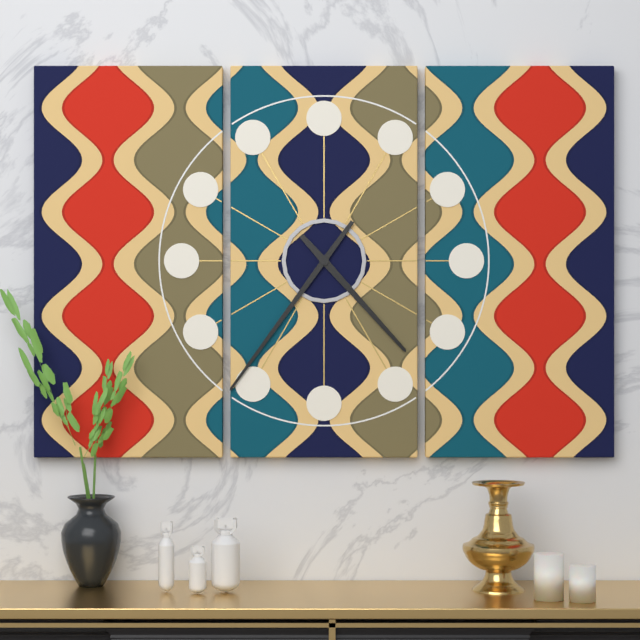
**4:36**
